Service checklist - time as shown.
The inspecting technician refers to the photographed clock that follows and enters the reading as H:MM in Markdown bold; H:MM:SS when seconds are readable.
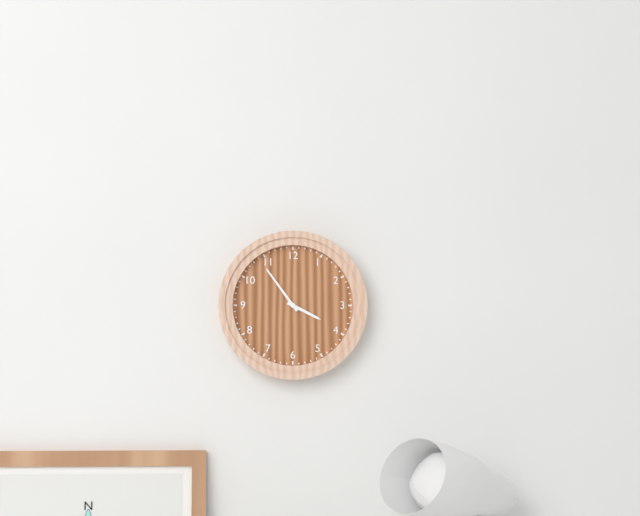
**3:54**
